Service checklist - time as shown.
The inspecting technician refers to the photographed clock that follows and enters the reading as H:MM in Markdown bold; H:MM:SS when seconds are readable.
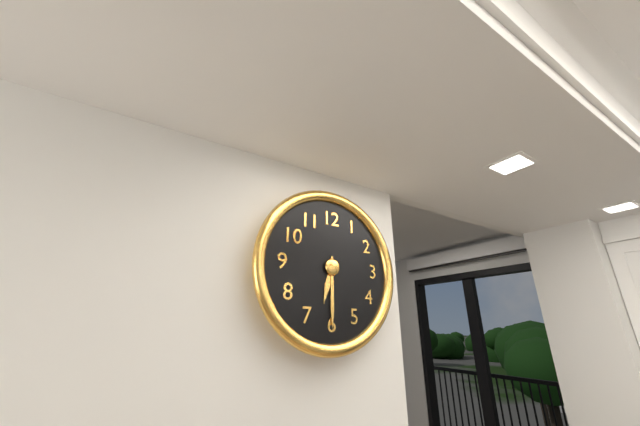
**6:30**
